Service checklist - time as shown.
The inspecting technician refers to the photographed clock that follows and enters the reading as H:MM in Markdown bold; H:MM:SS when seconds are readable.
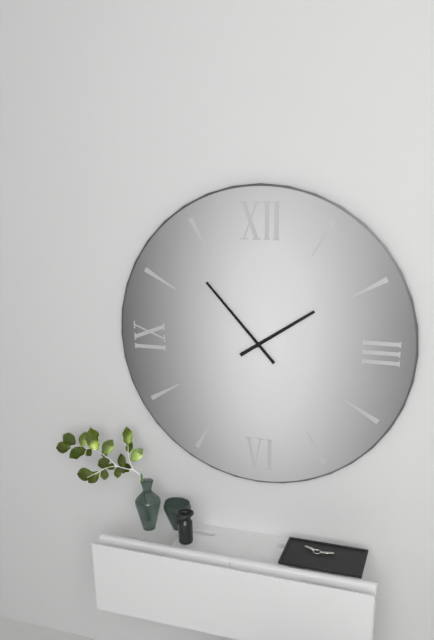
**1:53**
